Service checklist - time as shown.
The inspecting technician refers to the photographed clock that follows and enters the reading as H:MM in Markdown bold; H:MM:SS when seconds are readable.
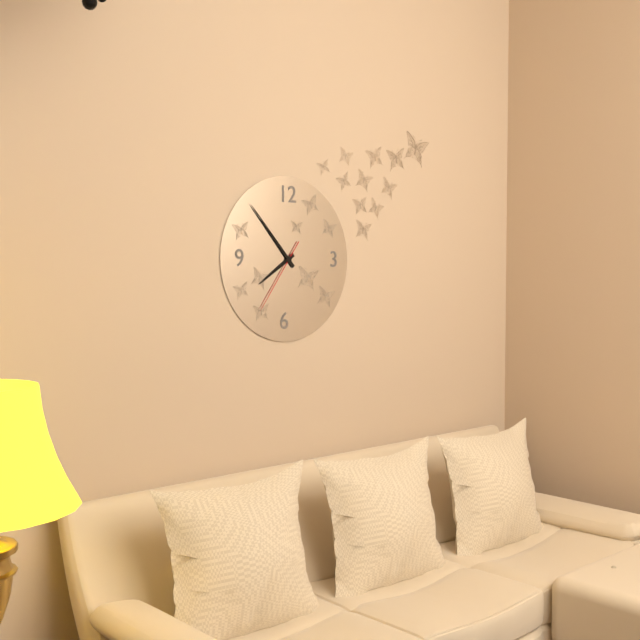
**7:53:36**
